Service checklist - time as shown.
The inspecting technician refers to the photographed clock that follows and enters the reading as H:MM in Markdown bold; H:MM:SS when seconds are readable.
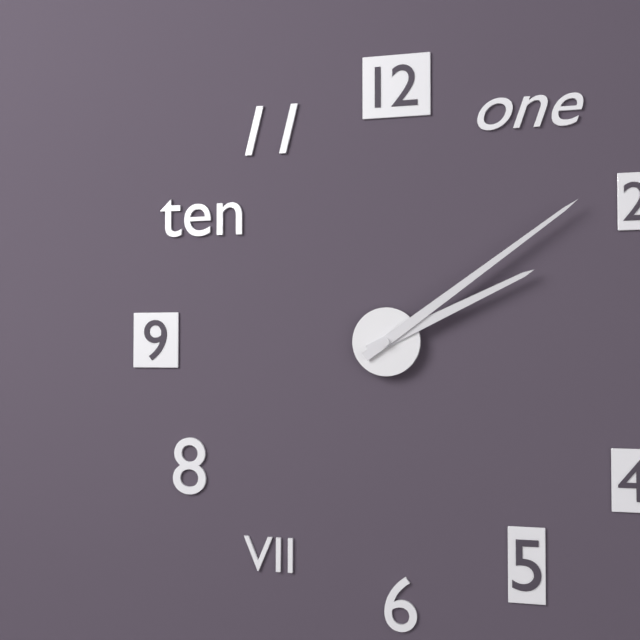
**2:09**
